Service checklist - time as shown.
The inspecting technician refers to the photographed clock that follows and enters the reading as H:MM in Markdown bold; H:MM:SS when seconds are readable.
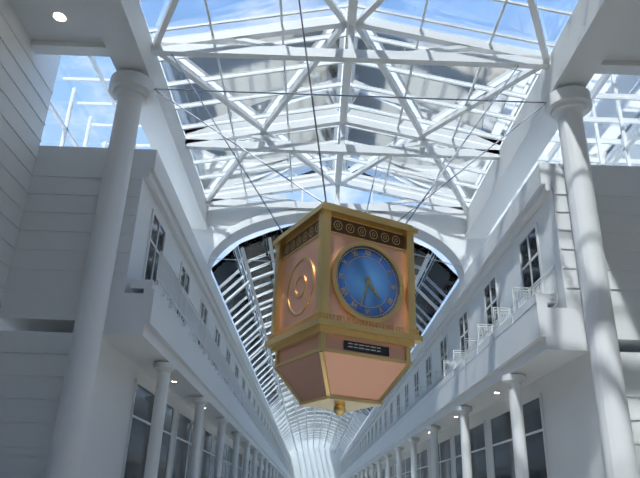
**4:33**
